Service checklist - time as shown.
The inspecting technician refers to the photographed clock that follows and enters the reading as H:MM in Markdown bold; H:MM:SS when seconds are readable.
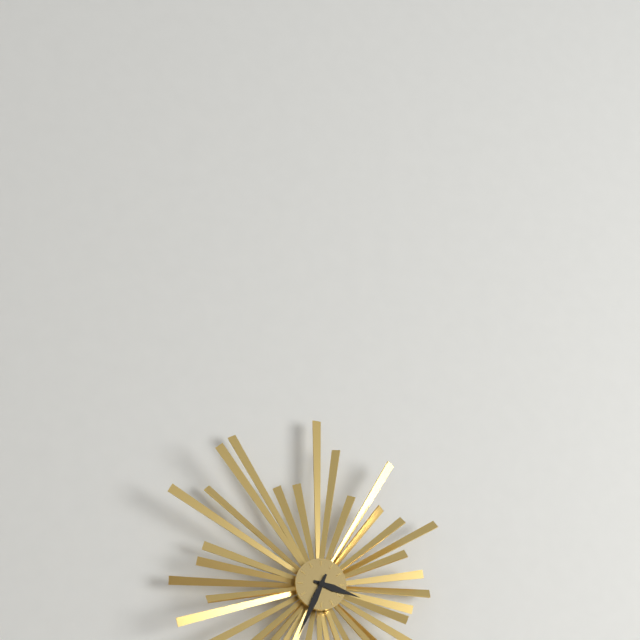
**3:34**
